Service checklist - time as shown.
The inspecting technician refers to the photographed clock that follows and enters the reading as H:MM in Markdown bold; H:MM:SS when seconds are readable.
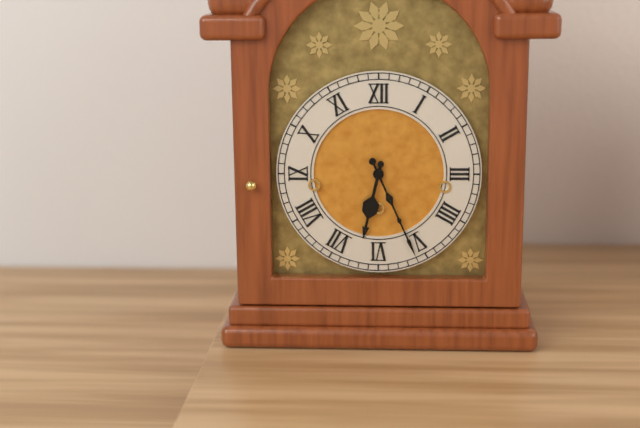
**6:26**
